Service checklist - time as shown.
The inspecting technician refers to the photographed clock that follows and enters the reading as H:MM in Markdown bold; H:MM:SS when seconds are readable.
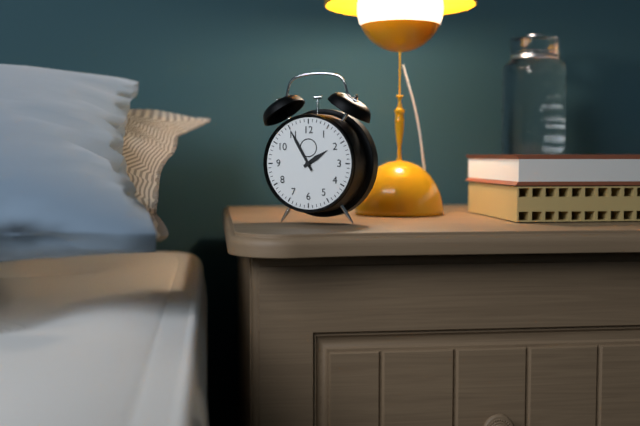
**1:55**
